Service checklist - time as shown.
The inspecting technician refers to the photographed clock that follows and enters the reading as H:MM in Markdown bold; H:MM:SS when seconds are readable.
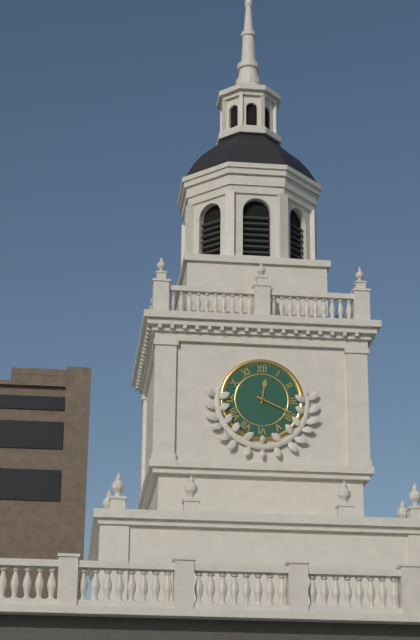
**12:19**
